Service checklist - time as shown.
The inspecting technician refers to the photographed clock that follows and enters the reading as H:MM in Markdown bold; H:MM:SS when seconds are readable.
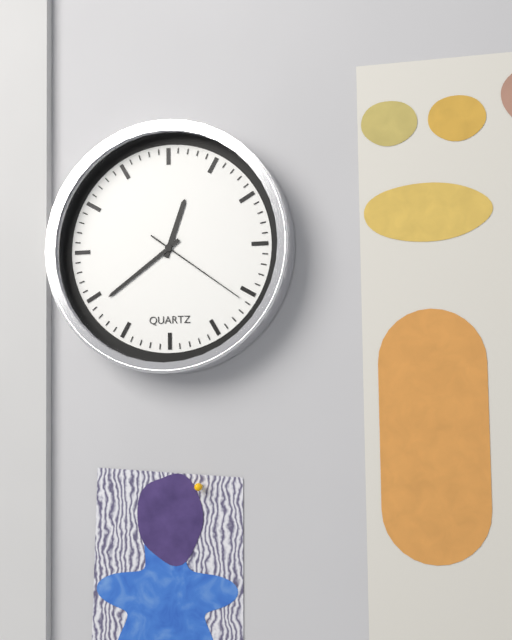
**12:39:21**
